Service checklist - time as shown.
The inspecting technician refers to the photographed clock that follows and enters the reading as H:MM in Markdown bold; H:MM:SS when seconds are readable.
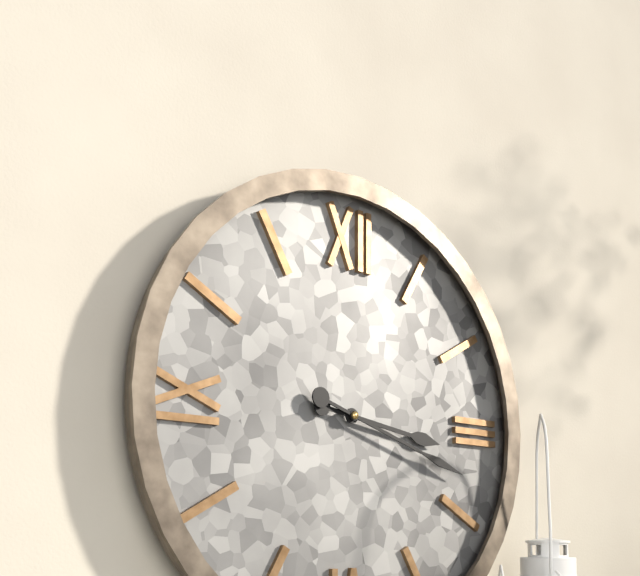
**3:18**
